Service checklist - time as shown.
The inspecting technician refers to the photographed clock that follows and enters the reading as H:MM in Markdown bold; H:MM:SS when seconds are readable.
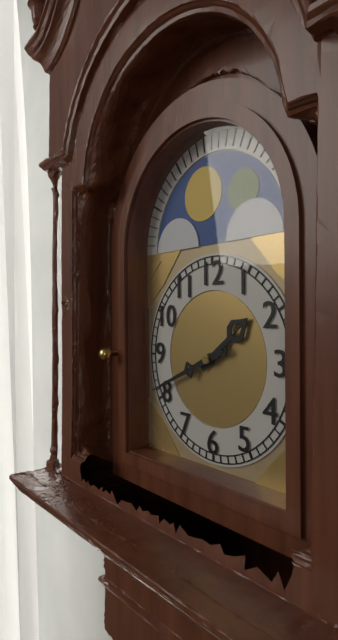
**1:41**
